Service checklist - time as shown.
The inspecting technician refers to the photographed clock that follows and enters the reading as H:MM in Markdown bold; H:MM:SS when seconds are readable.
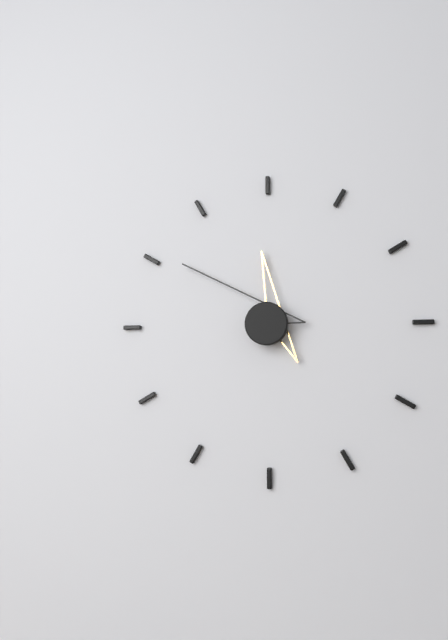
**11:51**
